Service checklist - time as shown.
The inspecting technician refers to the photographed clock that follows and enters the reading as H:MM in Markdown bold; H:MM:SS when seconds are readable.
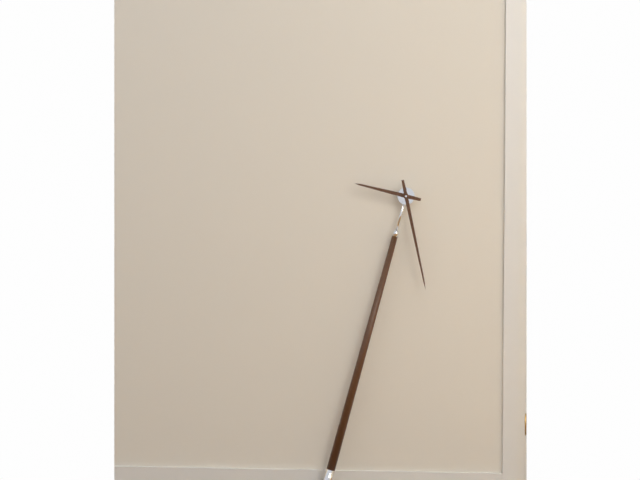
**9:28**
